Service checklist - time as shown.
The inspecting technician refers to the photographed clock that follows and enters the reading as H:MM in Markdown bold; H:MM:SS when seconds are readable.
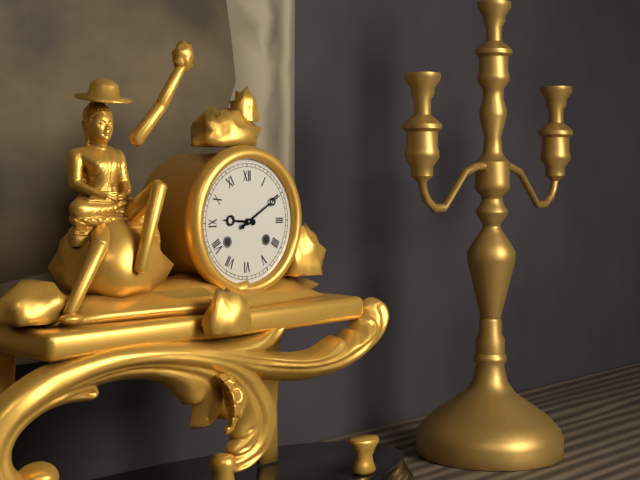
**9:10**
